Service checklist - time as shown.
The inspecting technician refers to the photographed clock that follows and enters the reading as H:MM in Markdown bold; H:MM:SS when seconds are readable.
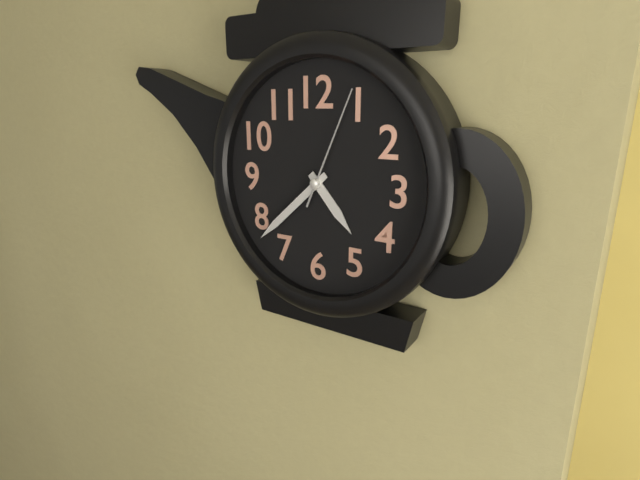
**4:38:04**
